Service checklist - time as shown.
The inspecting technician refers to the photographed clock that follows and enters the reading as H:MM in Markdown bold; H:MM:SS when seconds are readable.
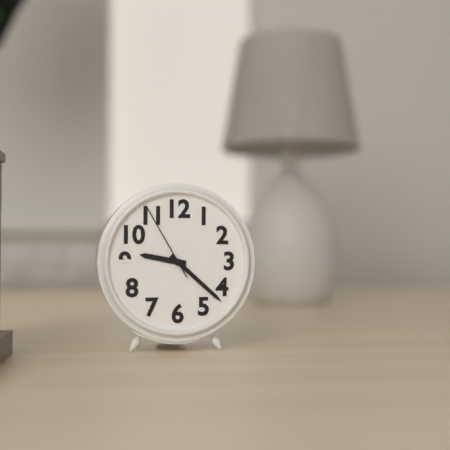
**9:22:55**
